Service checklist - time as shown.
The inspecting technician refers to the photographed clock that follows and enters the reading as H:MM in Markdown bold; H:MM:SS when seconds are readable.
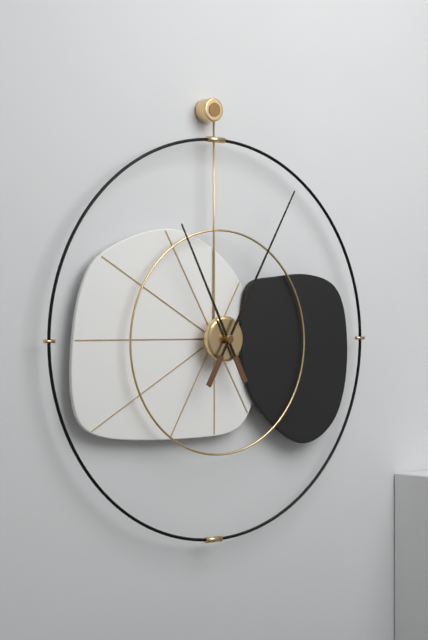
**11:05**
